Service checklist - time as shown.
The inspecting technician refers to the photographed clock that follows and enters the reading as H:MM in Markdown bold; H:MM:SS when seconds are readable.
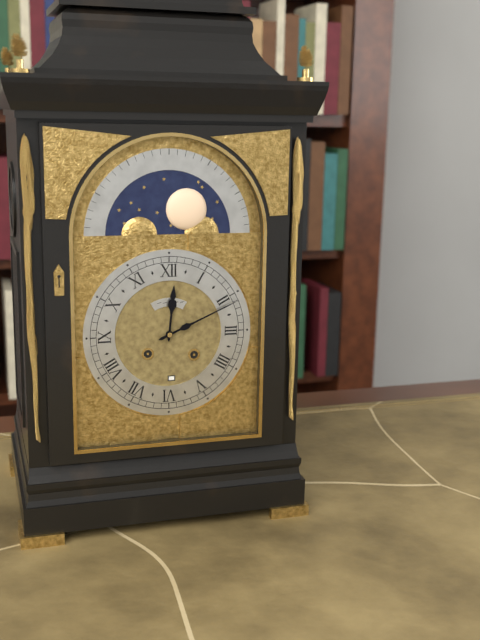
**12:11**
